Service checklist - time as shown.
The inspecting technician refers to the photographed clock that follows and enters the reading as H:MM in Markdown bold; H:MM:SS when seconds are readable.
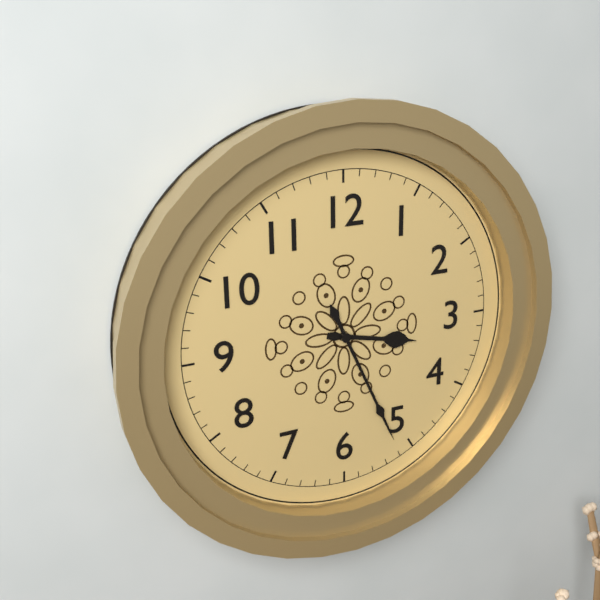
**3:26**
